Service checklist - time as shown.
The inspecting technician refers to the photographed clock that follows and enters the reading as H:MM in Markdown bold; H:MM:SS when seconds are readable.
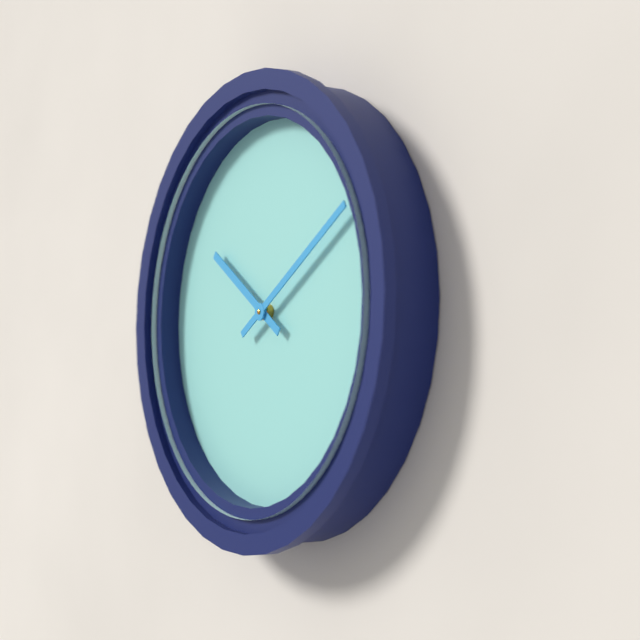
**10:10**
